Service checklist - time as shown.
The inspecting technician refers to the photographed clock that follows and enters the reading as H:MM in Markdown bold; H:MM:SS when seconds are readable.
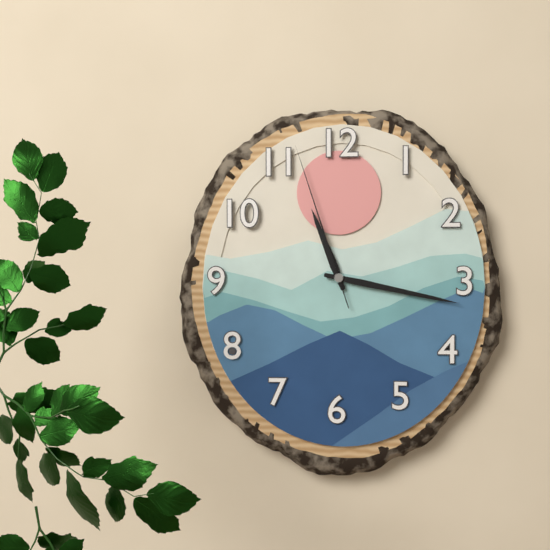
**11:17:57**
